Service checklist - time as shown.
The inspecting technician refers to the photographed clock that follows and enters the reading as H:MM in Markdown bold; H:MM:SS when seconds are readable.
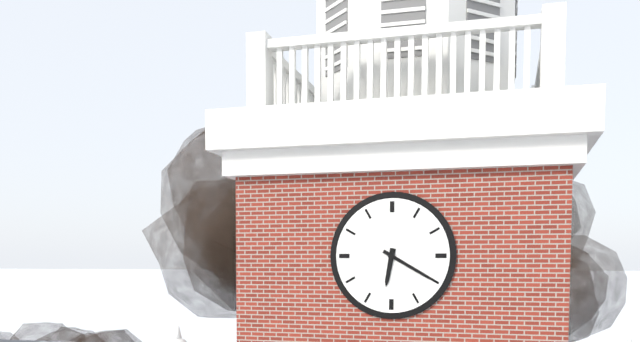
**6:20**
